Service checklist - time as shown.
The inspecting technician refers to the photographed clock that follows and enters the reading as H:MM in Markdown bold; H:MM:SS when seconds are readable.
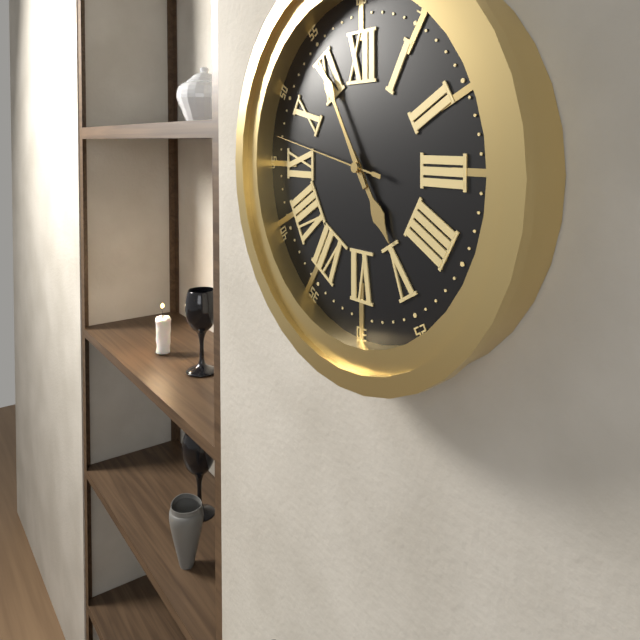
**4:55:47**
